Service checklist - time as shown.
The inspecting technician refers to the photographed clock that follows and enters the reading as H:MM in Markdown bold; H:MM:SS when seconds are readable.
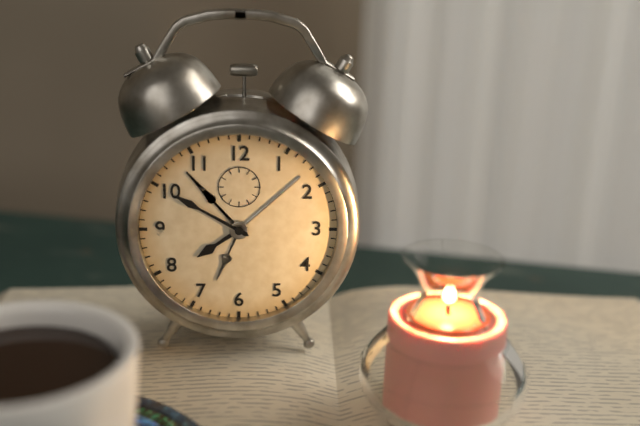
**7:50**
